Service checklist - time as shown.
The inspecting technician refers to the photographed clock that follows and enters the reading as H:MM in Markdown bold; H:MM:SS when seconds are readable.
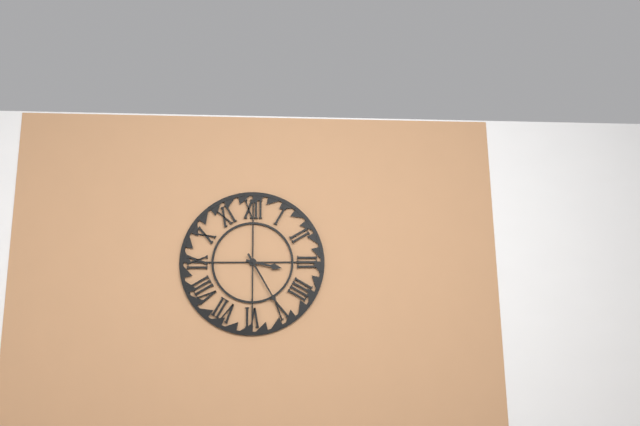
**3:25**
